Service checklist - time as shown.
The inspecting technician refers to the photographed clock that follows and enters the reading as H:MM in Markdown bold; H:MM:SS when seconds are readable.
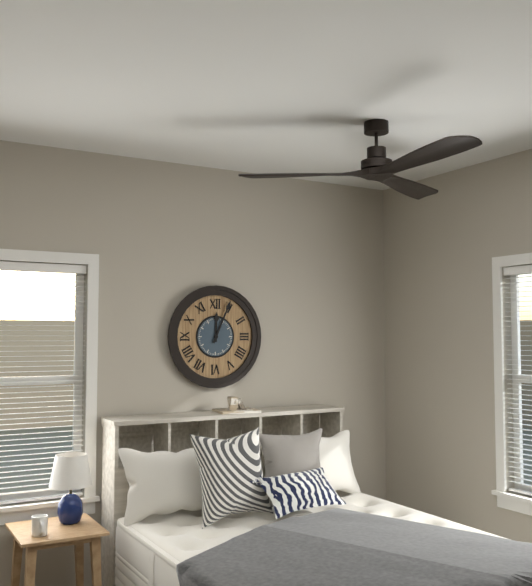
**12:04**
